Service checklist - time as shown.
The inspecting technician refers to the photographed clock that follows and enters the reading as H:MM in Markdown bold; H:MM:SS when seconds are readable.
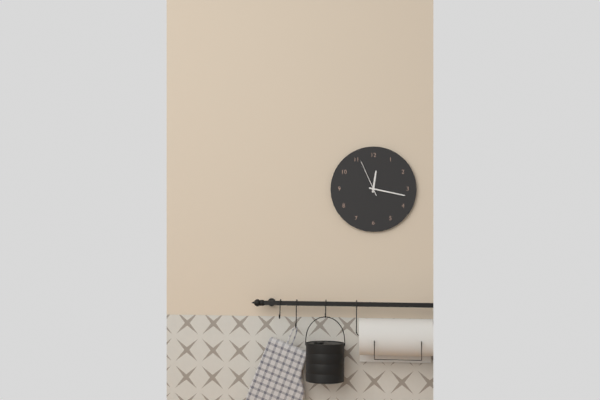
**12:17**
